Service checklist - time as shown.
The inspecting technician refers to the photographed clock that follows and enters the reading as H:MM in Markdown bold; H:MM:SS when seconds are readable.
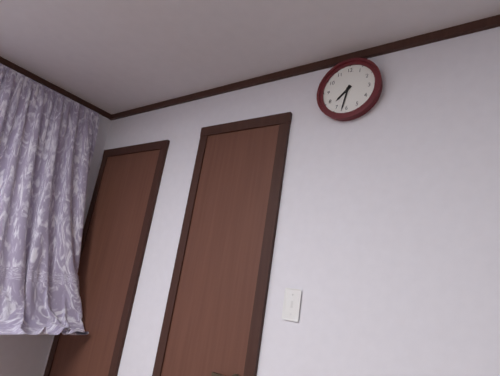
**7:32**
